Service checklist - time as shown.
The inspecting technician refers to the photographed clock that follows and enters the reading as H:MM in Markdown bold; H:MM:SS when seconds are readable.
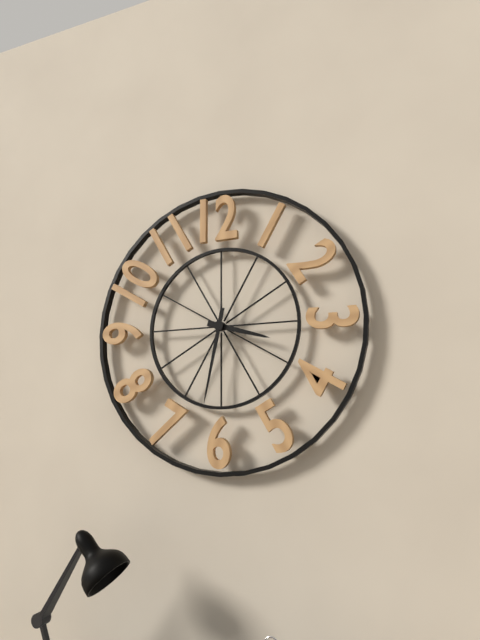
**3:32**
